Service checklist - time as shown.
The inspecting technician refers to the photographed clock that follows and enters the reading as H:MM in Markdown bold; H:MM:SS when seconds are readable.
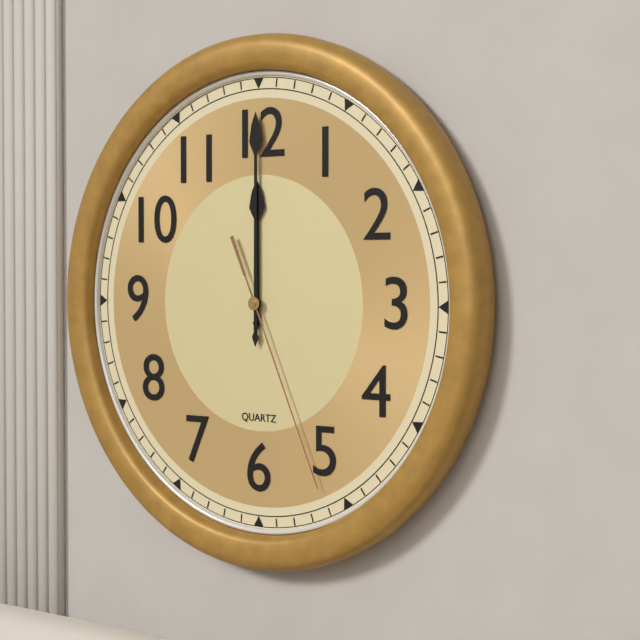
**12:00:26**
